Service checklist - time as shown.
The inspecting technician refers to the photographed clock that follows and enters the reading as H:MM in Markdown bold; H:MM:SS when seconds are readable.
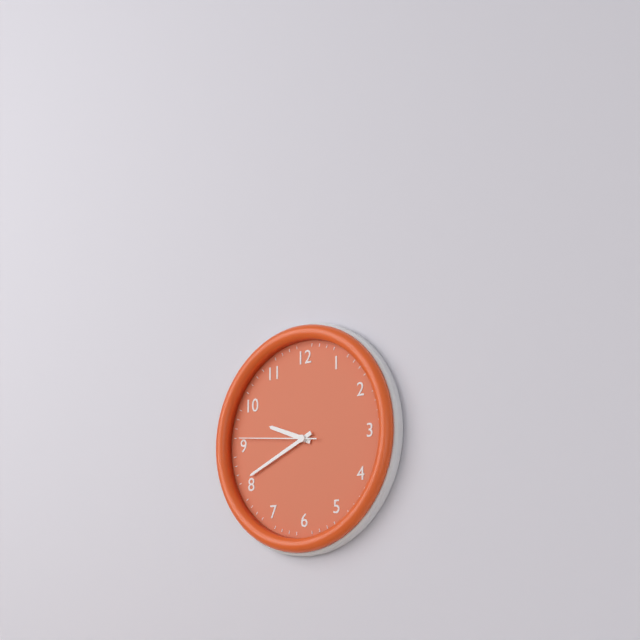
**9:41:46**
